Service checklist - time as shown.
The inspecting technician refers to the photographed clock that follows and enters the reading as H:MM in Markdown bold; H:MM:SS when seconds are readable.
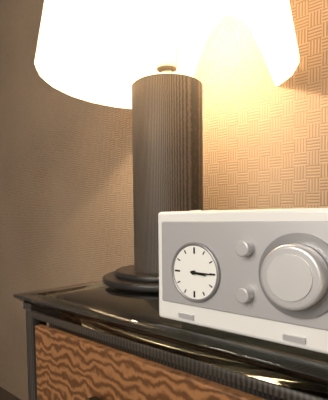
**3:15**
